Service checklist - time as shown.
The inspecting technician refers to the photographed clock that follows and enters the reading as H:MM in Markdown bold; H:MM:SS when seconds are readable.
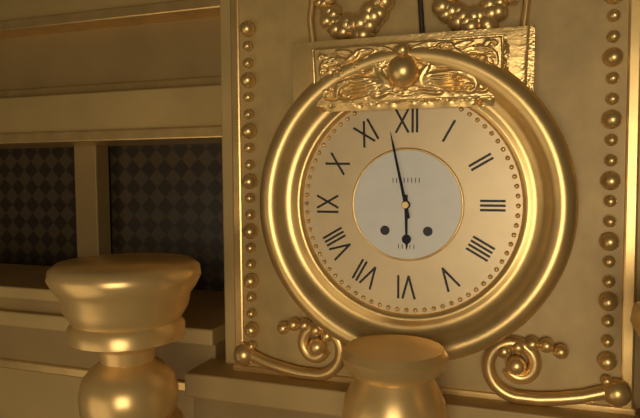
**5:58**
